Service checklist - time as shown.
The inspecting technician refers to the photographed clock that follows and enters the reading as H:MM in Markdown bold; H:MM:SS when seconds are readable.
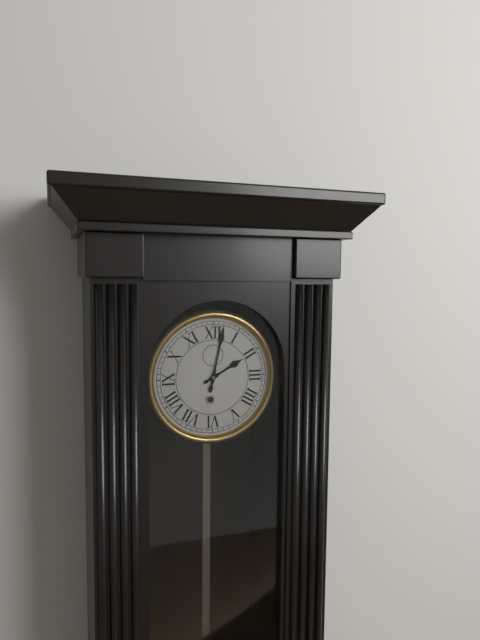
**2:02**
